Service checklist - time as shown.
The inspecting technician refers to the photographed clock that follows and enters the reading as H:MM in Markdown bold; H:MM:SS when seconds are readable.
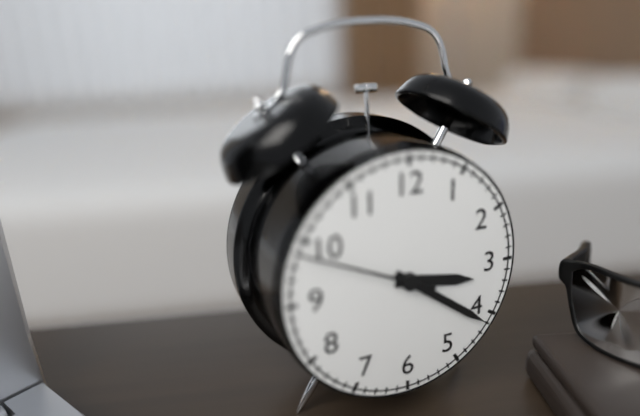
**3:21:49**
